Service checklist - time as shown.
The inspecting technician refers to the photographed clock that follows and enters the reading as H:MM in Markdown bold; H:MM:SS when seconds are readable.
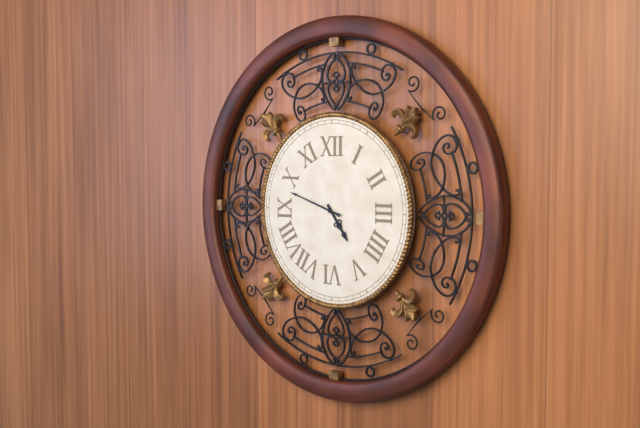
**4:48**
